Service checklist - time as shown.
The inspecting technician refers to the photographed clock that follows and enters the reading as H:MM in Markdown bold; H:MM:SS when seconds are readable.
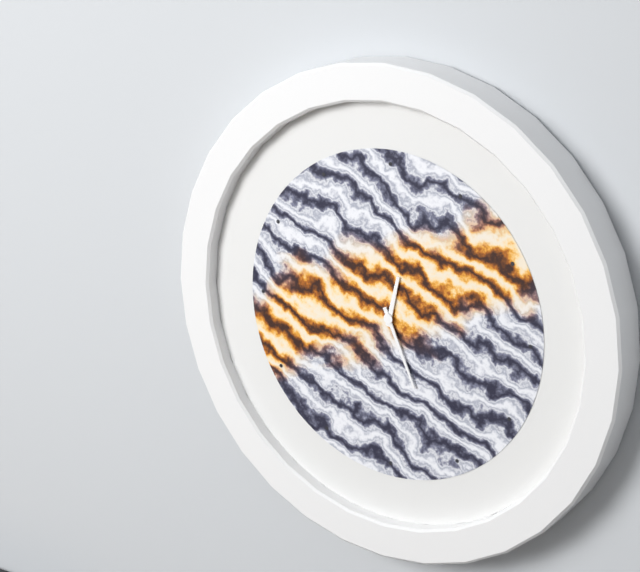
**12:26**
